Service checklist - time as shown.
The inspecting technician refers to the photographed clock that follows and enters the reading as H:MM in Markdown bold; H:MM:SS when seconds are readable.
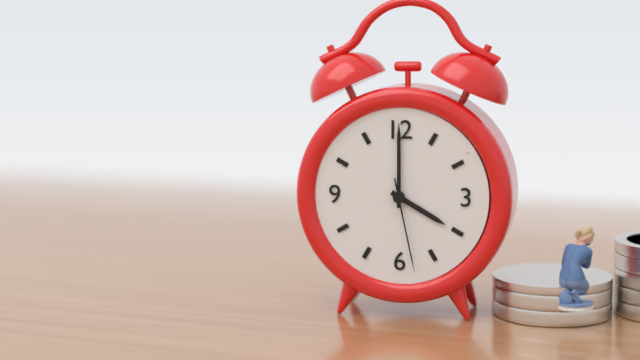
**4:00:28**
